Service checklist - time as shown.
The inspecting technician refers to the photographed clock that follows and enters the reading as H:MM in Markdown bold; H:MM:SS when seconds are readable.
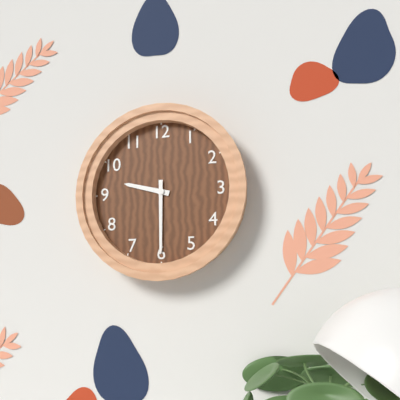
**9:30**
